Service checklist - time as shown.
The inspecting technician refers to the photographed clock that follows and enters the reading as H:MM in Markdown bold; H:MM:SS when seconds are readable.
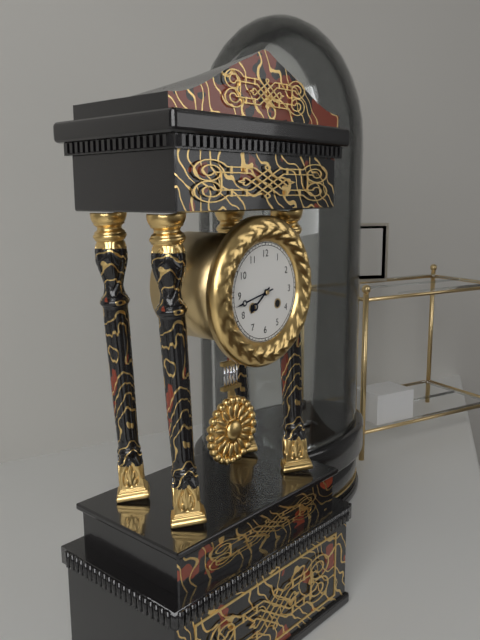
**7:43**
